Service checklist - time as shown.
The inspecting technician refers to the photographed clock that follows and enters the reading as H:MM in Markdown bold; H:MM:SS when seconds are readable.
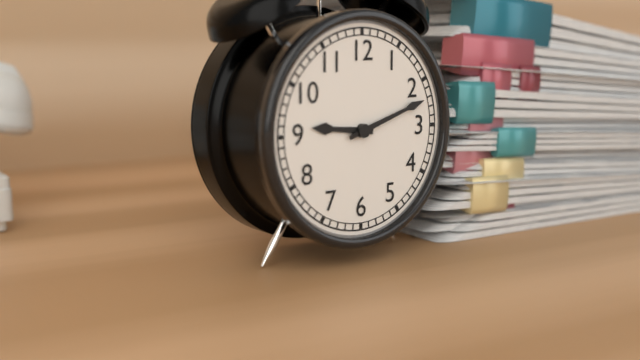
**9:12**
